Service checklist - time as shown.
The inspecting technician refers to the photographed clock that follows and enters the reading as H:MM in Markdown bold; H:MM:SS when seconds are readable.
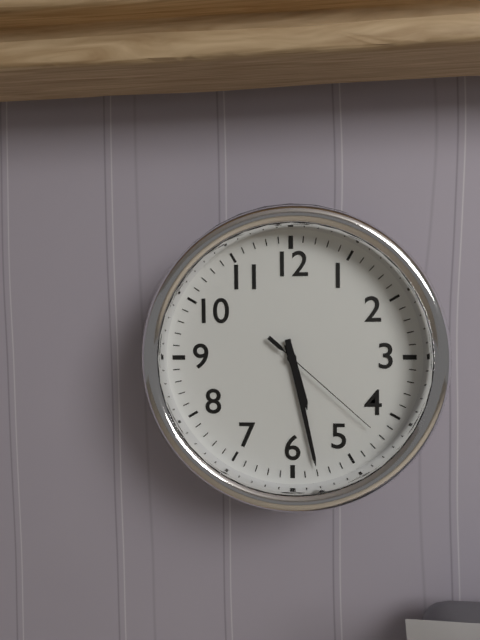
**5:28:22**
